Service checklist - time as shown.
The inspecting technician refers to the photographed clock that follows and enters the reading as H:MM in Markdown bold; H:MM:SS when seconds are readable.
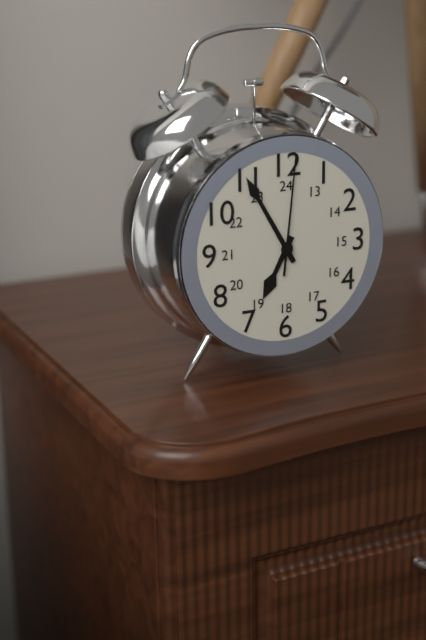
**6:55:01**
